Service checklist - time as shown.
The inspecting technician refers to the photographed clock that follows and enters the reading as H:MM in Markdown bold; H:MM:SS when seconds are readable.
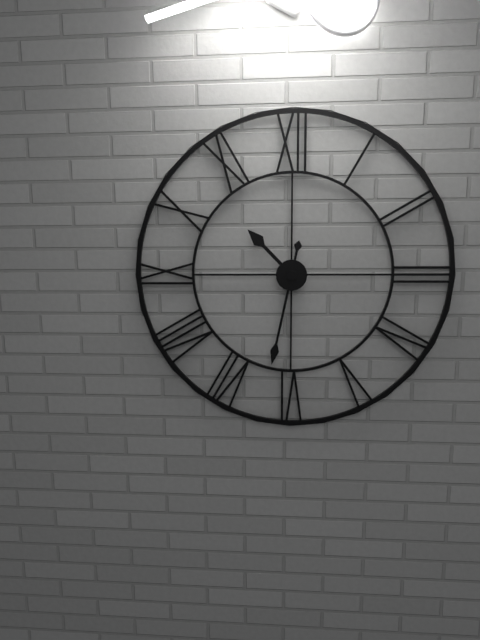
**10:32**
